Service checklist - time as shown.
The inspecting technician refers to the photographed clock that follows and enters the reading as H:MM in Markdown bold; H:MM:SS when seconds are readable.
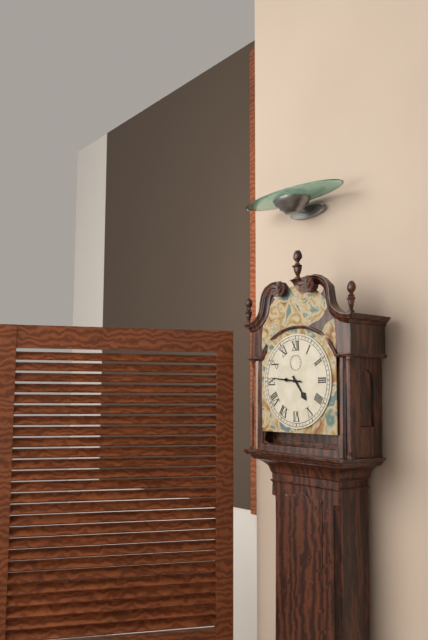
**4:46**
